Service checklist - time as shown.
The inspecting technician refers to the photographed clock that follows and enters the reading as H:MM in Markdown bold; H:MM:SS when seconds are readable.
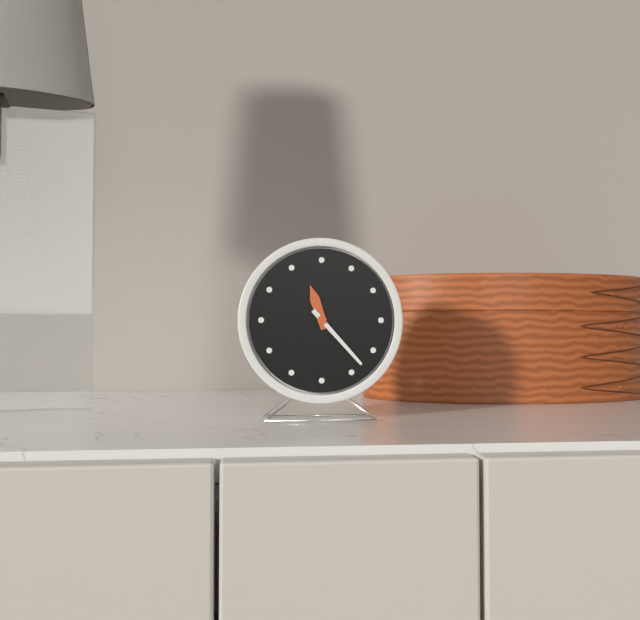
**11:23**
